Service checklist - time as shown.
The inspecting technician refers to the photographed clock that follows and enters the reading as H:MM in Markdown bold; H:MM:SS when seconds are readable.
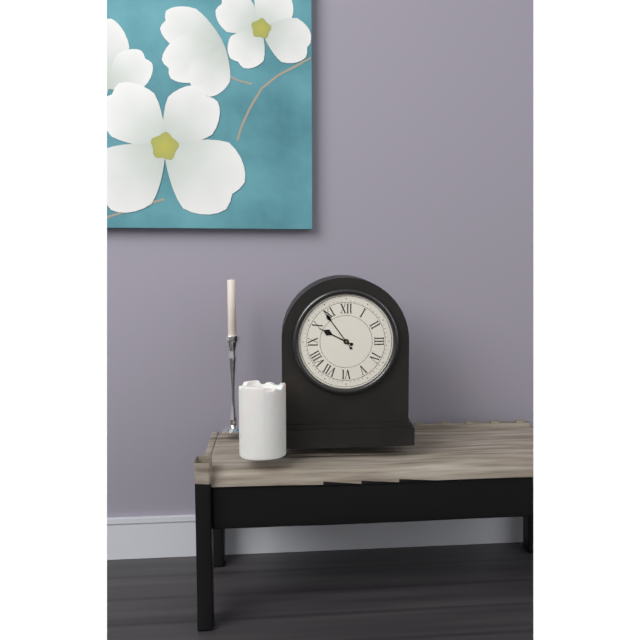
**9:54**
